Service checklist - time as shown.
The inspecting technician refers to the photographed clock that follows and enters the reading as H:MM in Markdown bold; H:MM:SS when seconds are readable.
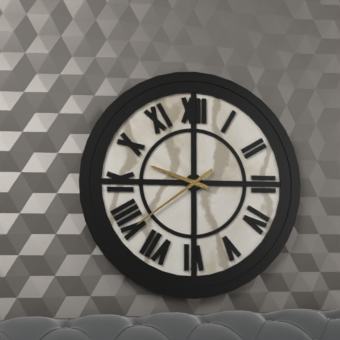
**9:39**
